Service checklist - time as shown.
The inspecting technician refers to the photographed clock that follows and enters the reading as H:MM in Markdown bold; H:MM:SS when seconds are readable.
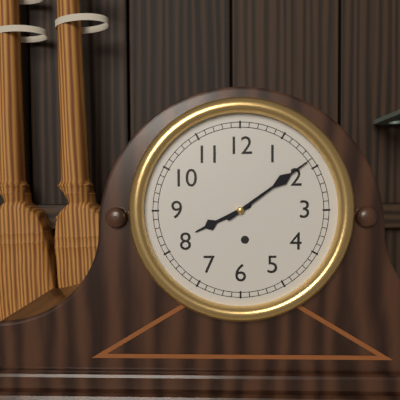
**8:09**
